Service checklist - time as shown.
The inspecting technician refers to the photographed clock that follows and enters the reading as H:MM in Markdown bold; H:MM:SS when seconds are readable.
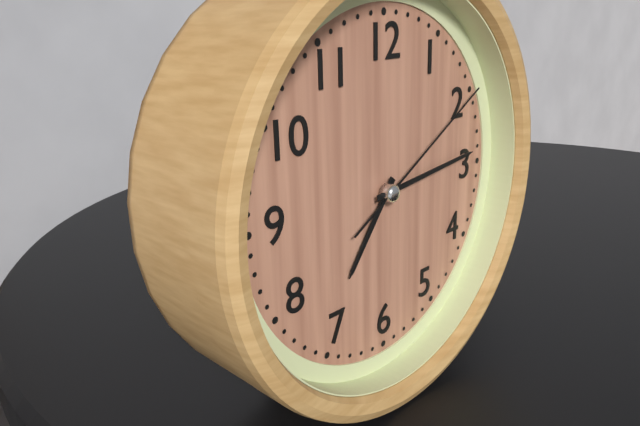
**7:14:10**
